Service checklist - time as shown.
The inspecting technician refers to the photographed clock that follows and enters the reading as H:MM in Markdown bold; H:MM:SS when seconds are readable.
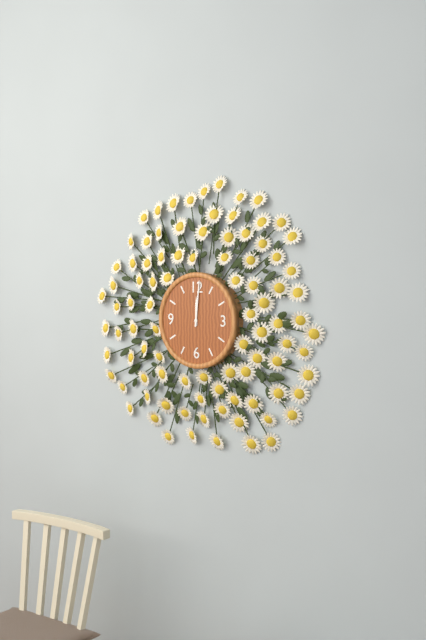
**12:01**
